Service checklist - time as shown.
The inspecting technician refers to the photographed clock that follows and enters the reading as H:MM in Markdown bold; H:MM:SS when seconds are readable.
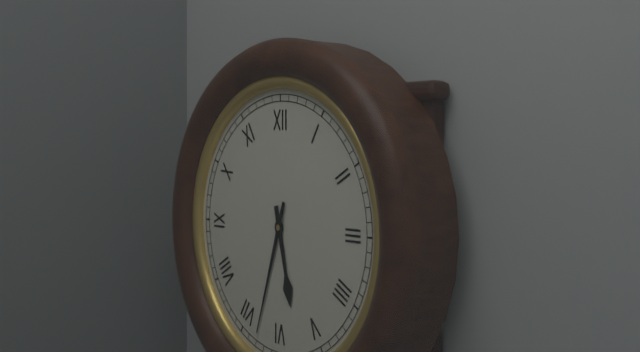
**5:33**
